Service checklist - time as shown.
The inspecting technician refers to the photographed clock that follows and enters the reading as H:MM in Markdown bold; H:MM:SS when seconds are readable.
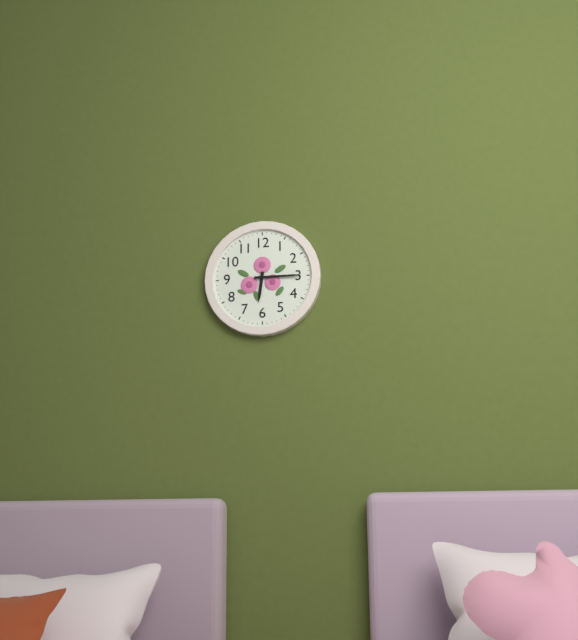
**6:15**
